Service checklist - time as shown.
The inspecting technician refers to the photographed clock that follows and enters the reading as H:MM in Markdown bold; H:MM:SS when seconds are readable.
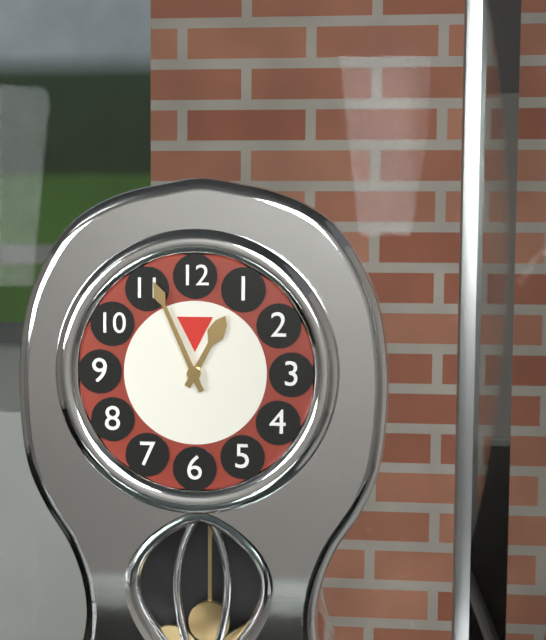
**12:56**
